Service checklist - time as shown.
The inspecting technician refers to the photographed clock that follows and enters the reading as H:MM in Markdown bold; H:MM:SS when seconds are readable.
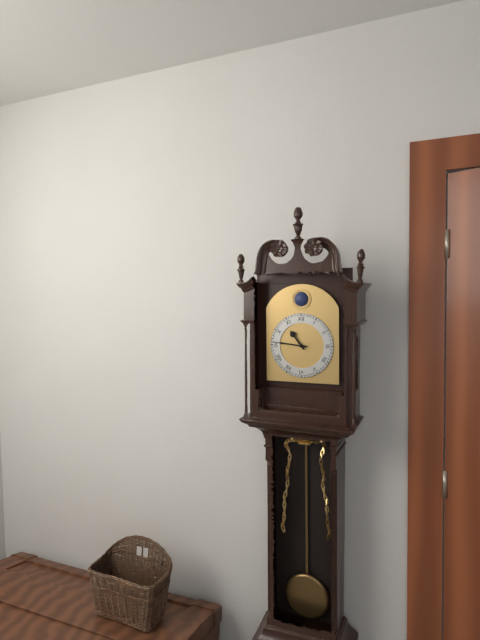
**10:46**
